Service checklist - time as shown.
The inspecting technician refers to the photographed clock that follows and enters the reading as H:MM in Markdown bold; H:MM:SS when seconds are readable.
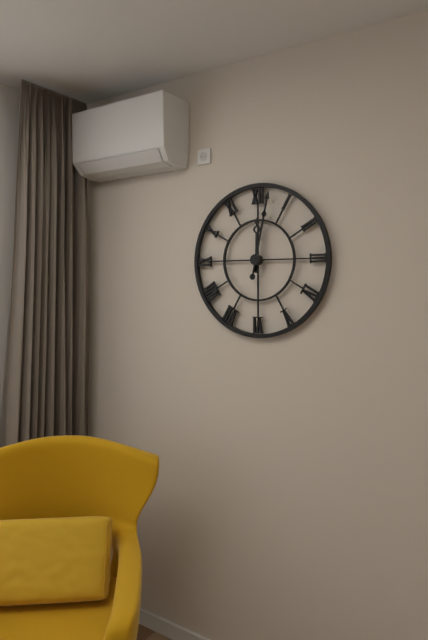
**12:02**
